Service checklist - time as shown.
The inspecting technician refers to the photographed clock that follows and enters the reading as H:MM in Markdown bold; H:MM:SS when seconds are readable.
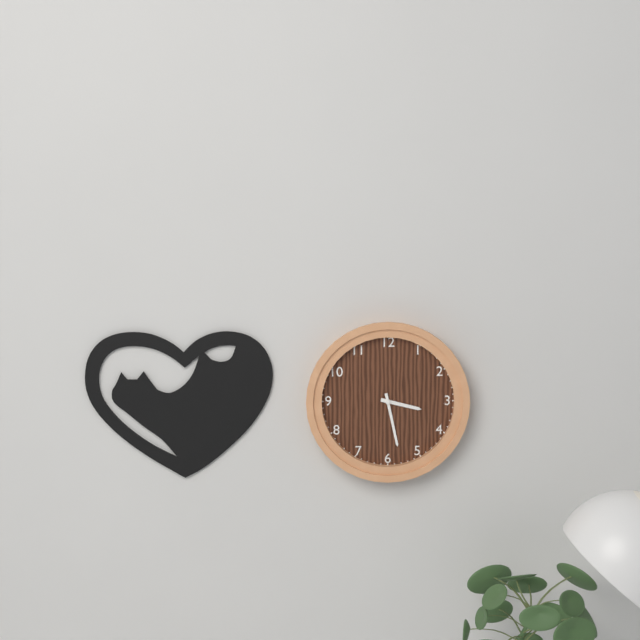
**3:28**
